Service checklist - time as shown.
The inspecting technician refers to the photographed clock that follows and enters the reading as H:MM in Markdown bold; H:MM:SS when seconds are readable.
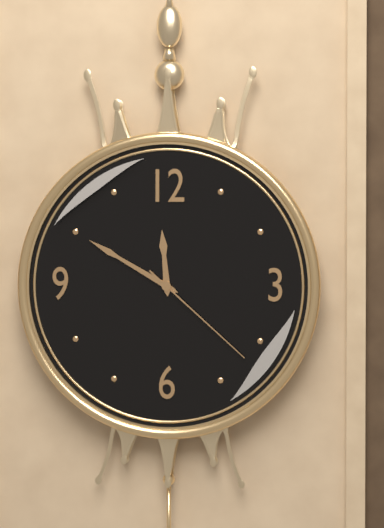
**11:50:22**
